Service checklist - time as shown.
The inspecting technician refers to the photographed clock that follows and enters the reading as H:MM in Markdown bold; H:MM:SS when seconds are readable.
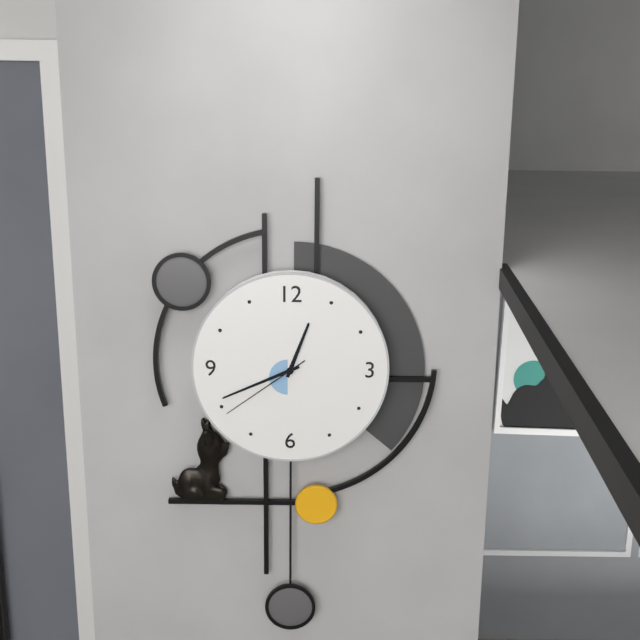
**12:41:39**
